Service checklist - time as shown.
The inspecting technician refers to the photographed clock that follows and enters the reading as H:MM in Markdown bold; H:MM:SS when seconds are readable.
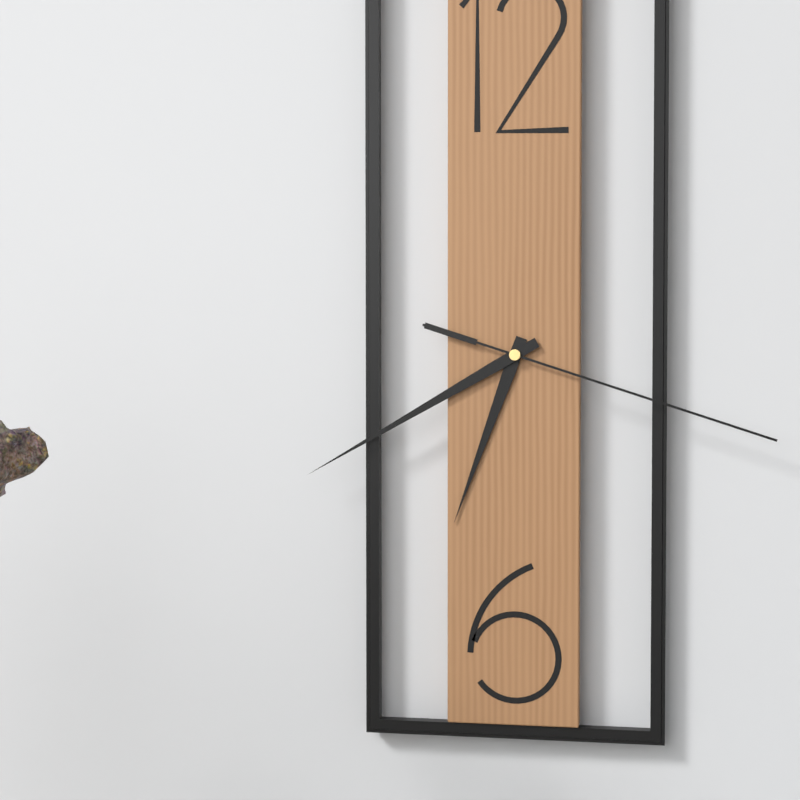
**6:40:18**
